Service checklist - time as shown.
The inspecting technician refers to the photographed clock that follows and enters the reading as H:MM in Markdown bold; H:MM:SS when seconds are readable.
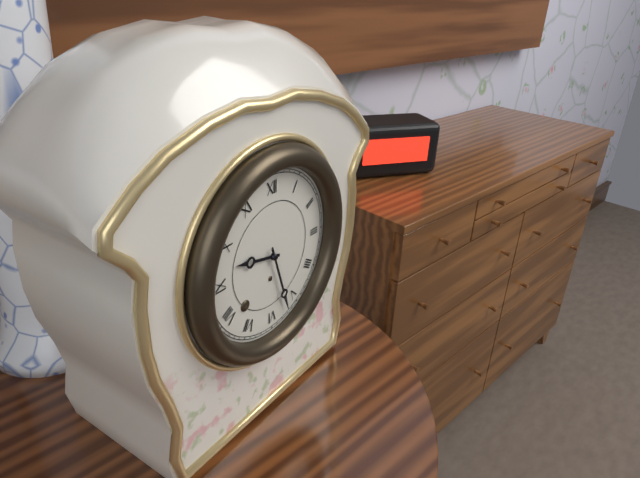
**9:27**
